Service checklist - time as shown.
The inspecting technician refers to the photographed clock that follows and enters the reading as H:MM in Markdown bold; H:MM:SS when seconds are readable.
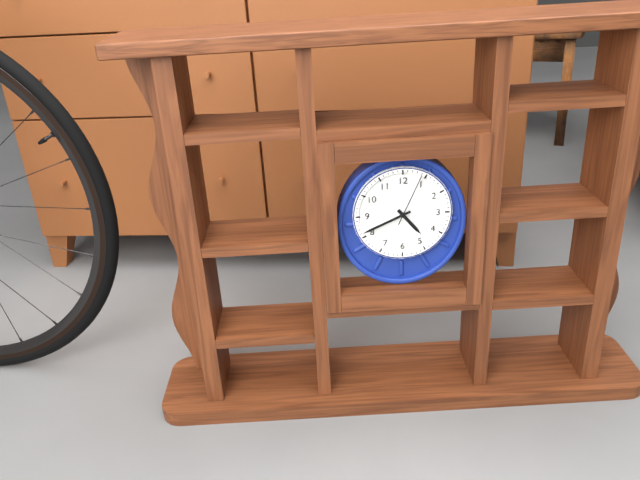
**4:41:04**
